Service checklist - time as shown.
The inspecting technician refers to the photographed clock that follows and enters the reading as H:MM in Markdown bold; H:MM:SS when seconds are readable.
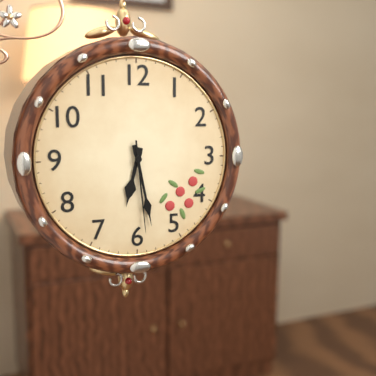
**6:28:29**
